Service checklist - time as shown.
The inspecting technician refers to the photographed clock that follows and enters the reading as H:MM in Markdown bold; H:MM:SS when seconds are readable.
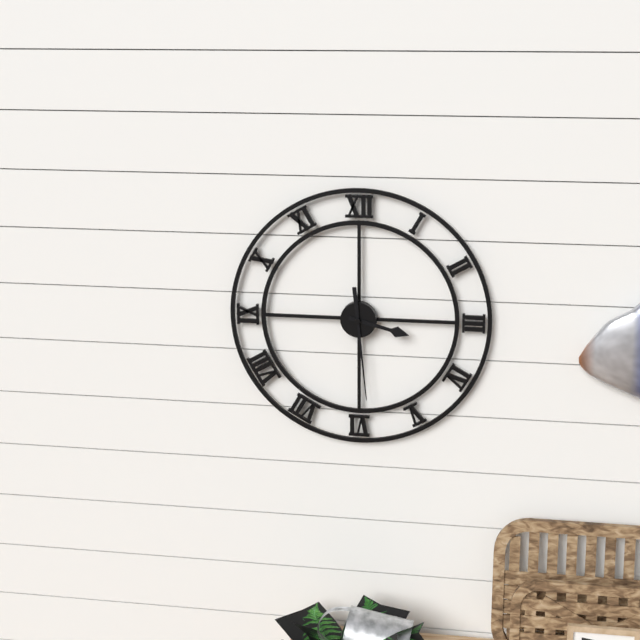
**3:29**
